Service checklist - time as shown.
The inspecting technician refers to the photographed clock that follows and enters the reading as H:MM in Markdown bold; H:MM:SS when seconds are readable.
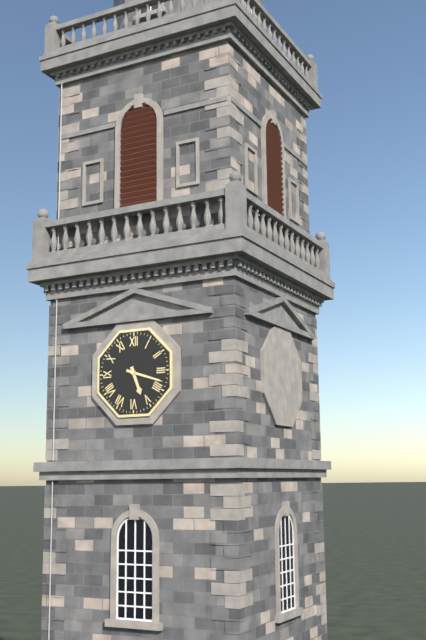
**5:18**
